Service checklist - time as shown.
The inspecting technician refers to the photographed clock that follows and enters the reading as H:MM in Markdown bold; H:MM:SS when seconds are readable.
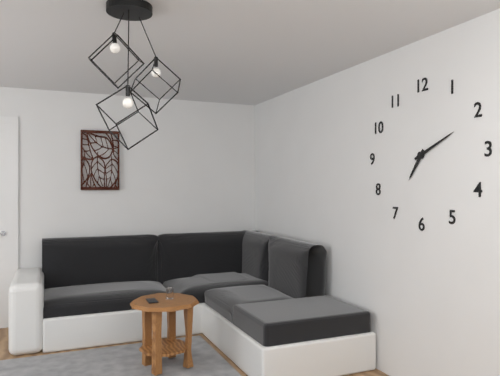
**7:11**
